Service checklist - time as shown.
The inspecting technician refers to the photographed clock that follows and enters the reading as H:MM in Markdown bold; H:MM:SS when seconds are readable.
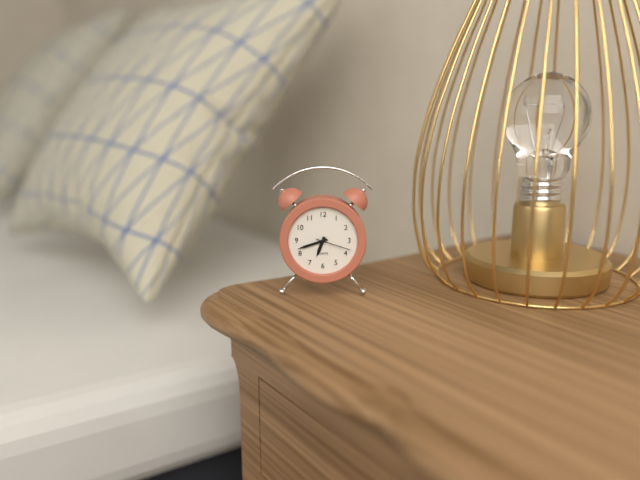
**6:42**
